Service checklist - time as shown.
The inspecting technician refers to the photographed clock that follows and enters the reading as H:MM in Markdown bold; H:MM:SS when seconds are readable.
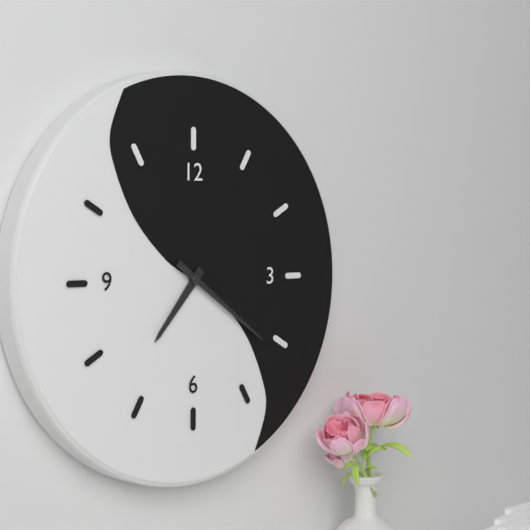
**7:21**
